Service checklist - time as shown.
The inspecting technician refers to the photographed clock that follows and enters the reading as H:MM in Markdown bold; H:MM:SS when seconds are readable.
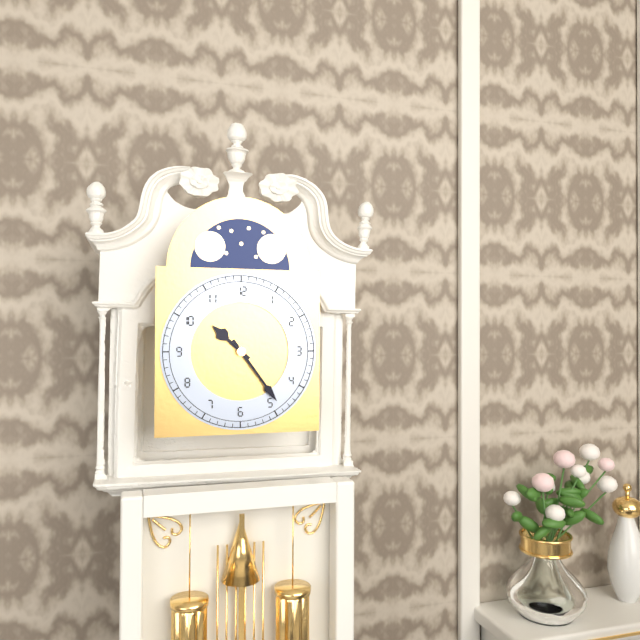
**10:24**
